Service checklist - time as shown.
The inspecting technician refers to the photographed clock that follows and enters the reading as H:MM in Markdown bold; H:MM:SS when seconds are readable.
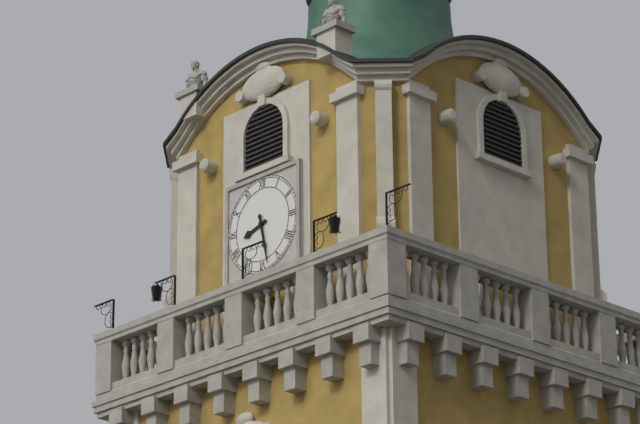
**8:28**
